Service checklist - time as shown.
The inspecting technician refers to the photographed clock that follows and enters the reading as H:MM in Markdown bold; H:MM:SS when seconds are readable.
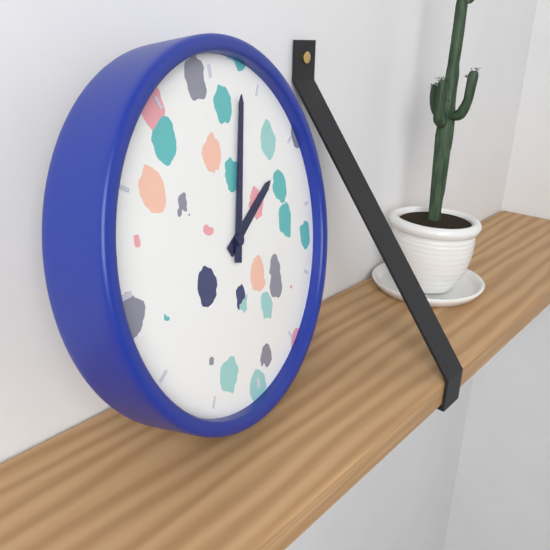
**2:03**
